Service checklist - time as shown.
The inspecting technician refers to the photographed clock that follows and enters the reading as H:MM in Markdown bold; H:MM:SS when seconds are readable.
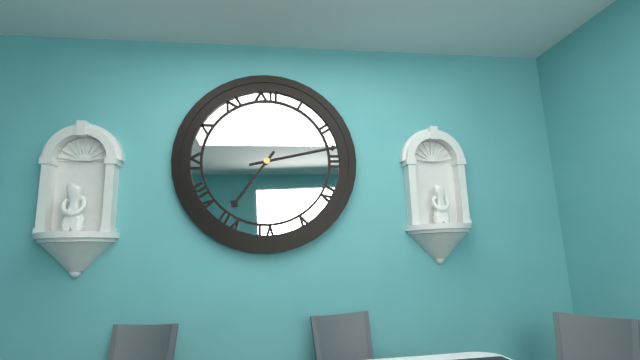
**7:13**
